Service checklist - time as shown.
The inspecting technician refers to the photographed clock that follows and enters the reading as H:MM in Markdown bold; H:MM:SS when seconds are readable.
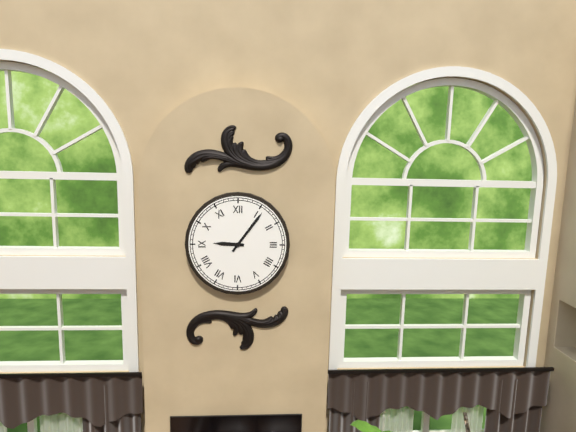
**9:06**
